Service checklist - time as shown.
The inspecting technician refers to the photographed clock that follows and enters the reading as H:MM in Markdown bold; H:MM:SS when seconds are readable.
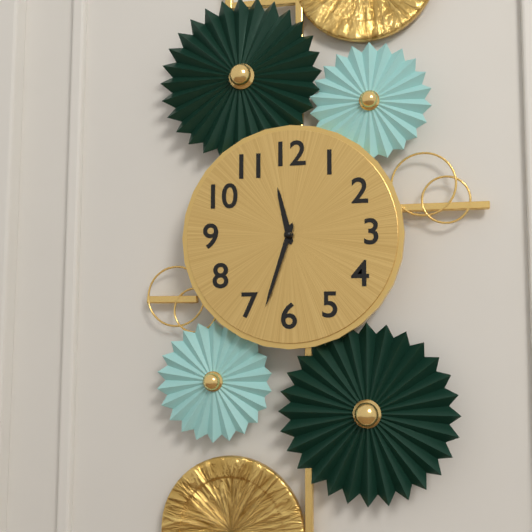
**11:33**
